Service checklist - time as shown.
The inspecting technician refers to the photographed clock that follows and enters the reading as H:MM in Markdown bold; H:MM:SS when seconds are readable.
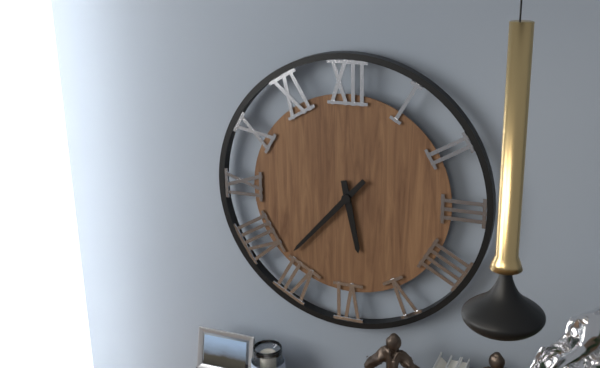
**5:37**
